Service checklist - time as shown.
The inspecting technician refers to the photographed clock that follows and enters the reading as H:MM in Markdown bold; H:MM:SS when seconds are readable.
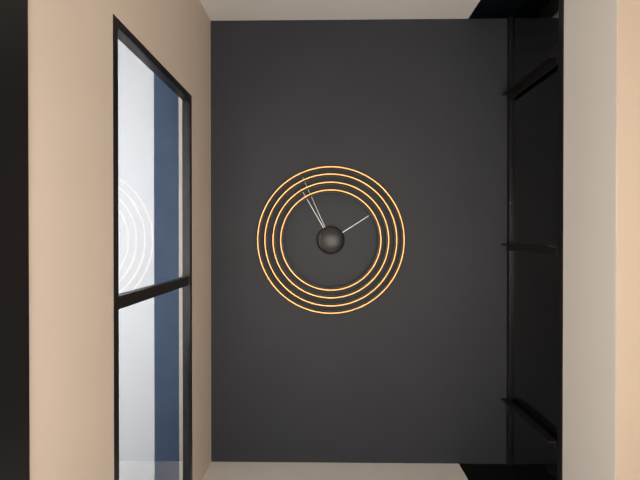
**1:55:56**
